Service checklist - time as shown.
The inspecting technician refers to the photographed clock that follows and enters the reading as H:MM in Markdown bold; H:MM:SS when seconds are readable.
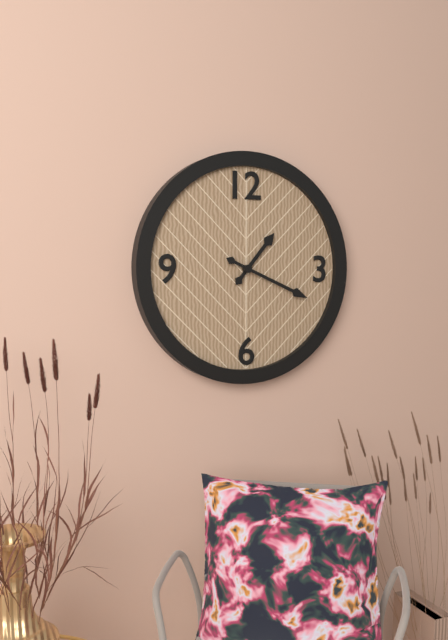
**1:19**
